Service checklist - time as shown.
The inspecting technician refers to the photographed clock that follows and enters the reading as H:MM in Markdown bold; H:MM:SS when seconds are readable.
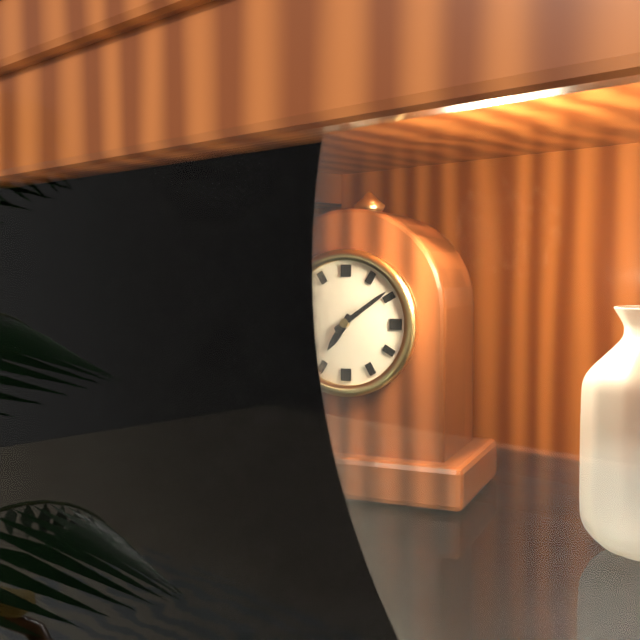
**7:09**
